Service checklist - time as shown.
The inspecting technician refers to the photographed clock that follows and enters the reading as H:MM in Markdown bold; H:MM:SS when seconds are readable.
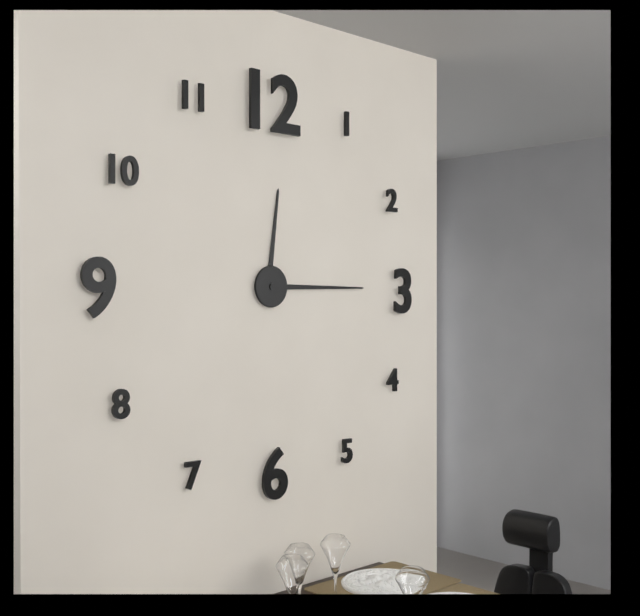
**12:15**
